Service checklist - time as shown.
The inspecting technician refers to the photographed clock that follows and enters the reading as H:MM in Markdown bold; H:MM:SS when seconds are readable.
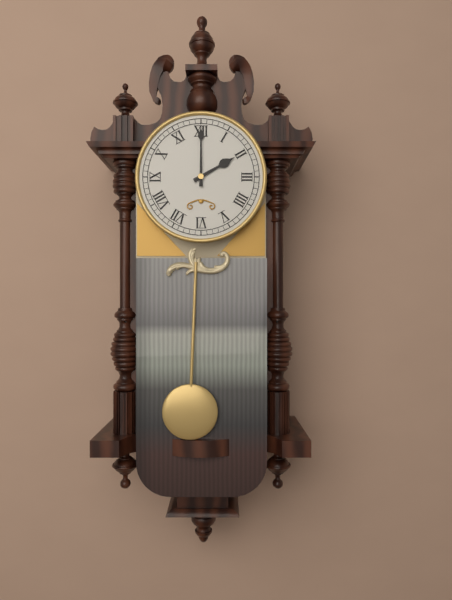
**2:00**
